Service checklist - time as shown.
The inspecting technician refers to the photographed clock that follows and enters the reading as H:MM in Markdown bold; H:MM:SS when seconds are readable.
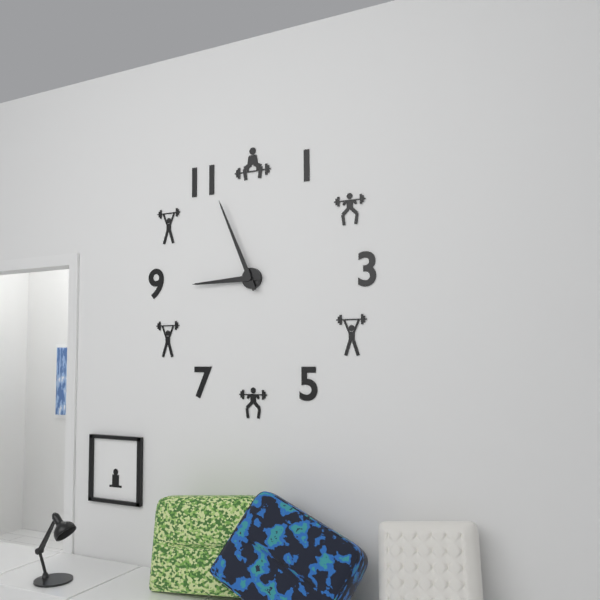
**8:56**
